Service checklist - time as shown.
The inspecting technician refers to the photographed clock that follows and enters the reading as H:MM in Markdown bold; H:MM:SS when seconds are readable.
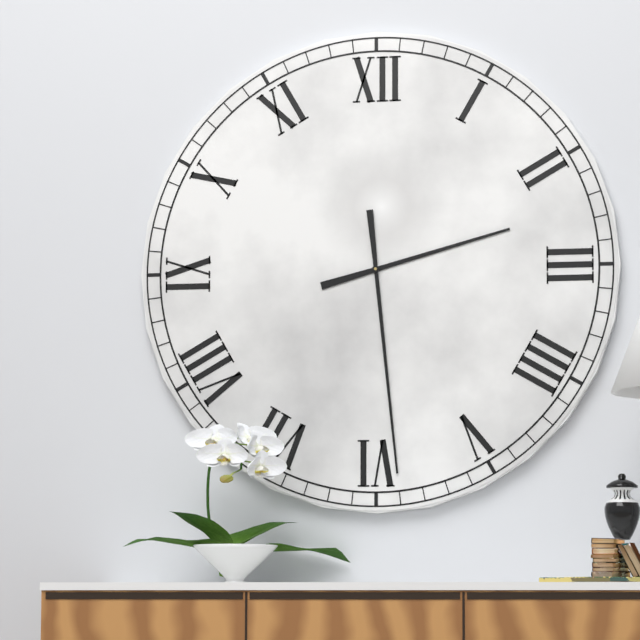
**2:29**
